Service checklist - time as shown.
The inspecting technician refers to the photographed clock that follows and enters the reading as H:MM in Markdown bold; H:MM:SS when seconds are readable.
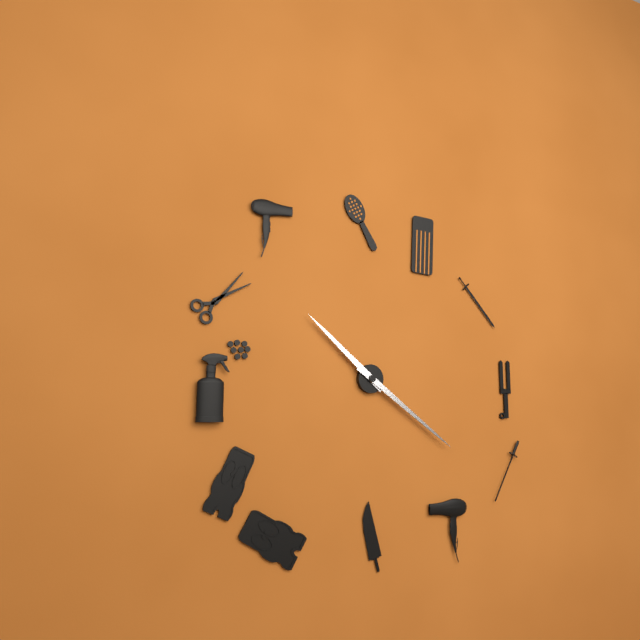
**10:21**
